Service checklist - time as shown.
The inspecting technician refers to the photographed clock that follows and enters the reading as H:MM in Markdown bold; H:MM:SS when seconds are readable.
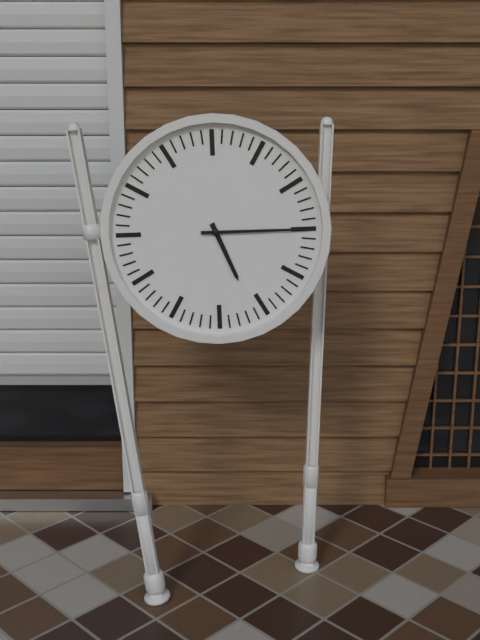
**5:15**
